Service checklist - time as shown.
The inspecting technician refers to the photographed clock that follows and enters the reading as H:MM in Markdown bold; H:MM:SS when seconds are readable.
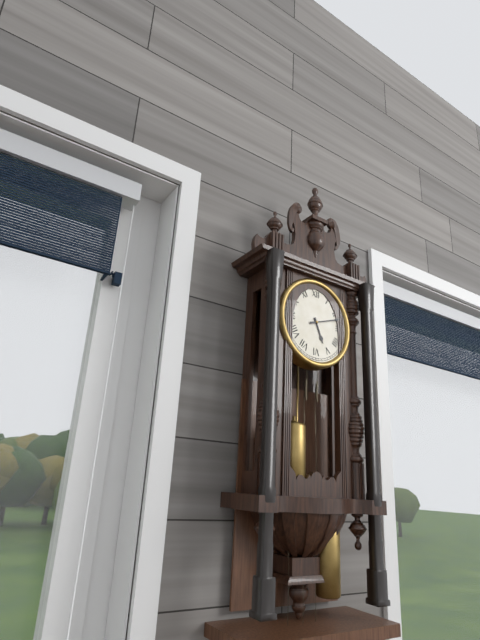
**5:12**
